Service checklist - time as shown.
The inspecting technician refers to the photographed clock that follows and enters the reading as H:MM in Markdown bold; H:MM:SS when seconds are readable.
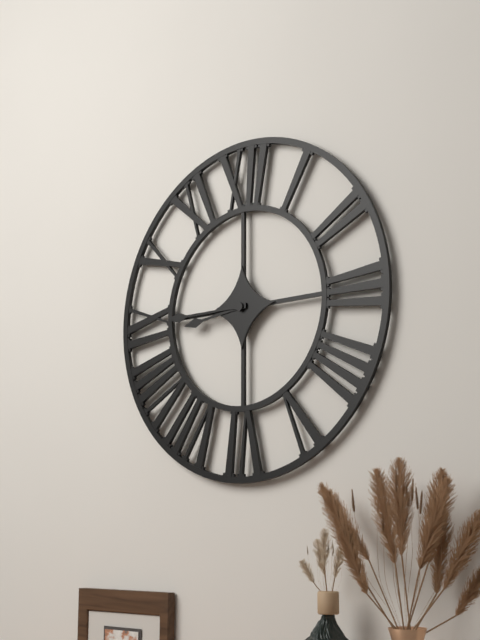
**8:45**
